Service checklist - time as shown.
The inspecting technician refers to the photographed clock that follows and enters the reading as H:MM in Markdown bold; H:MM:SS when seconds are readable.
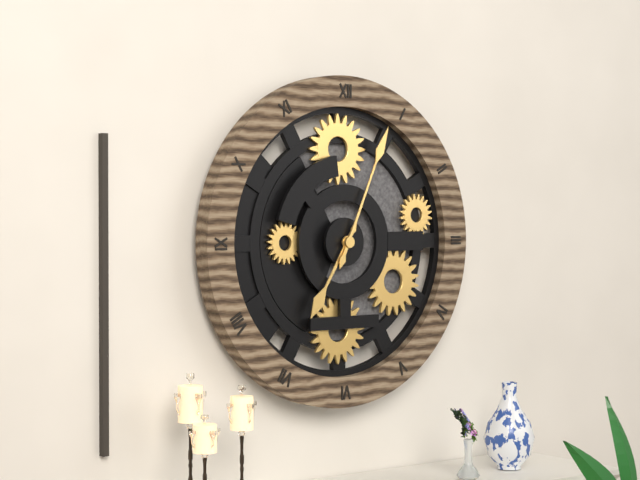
**7:04**
